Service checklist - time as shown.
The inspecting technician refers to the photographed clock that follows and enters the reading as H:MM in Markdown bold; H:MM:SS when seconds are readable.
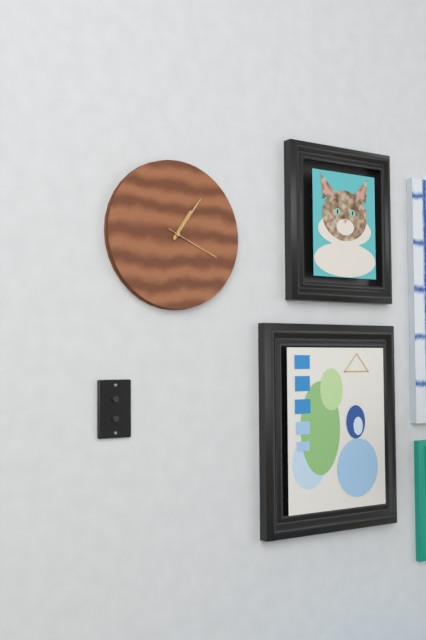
**1:06:19**
